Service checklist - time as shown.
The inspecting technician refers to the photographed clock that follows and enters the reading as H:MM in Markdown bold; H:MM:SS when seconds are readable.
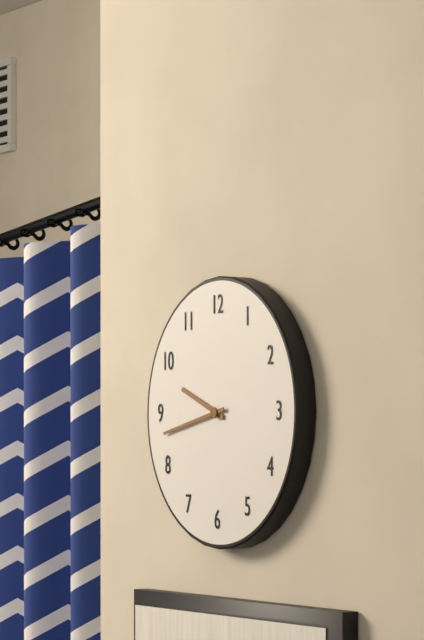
**9:43**
